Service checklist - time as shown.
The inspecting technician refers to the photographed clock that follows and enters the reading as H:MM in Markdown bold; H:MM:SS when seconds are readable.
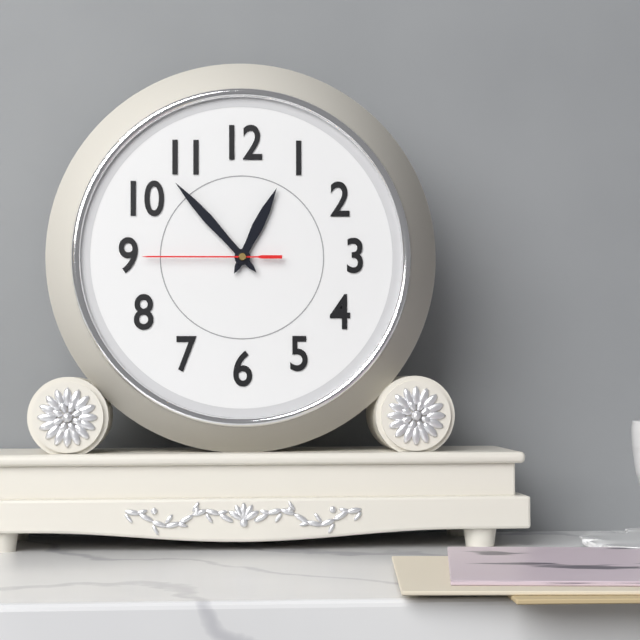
**12:53:45**
